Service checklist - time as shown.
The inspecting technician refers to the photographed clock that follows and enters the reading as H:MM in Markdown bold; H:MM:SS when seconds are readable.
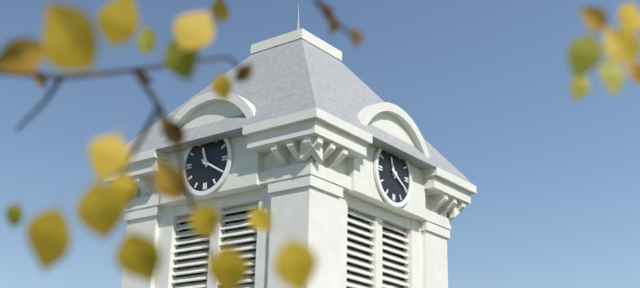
**11:20**
